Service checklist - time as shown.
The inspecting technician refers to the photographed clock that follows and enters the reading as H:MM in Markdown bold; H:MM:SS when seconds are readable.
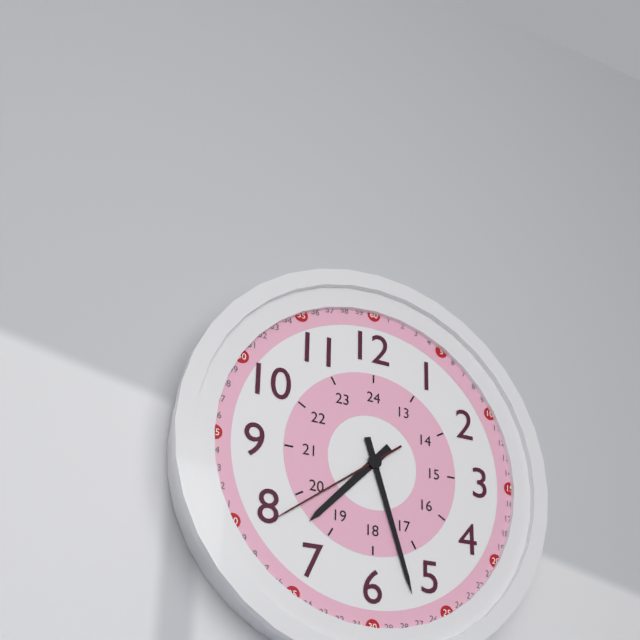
**7:27:39**
